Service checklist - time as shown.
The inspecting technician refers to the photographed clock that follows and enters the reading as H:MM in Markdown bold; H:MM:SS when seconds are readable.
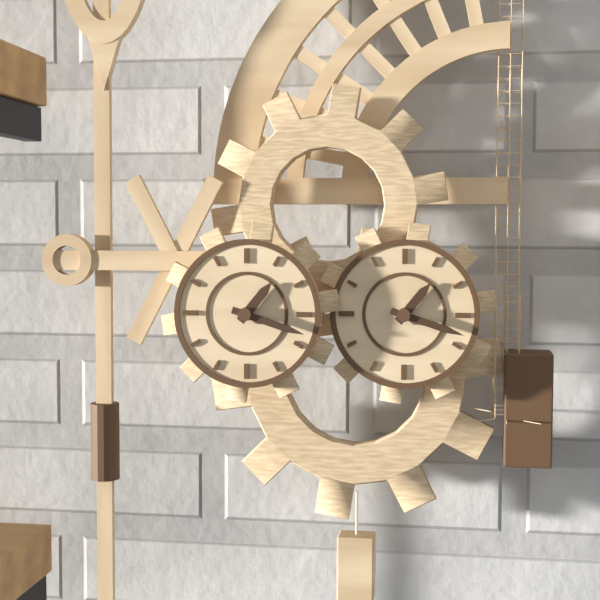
**1:18**
